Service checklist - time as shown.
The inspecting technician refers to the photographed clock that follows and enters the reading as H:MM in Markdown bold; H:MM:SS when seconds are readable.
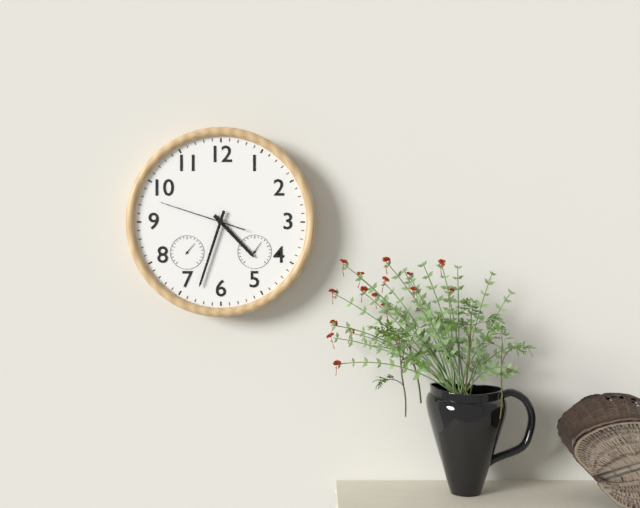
**4:33:48**
